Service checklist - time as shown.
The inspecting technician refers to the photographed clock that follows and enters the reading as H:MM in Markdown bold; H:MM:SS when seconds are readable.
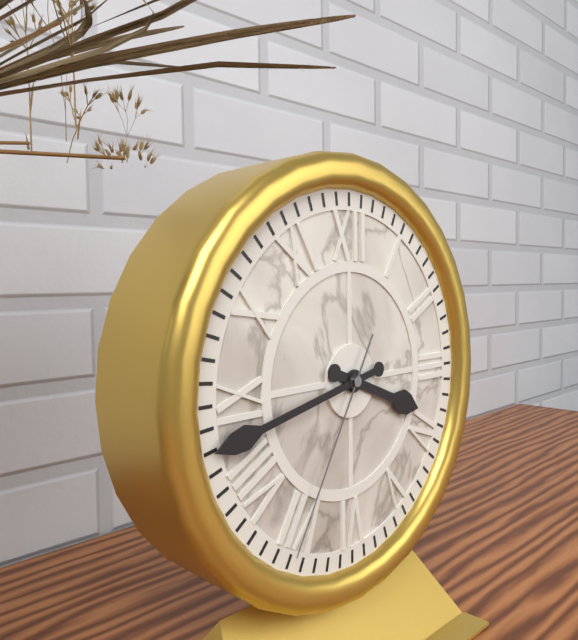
**3:43:35**
